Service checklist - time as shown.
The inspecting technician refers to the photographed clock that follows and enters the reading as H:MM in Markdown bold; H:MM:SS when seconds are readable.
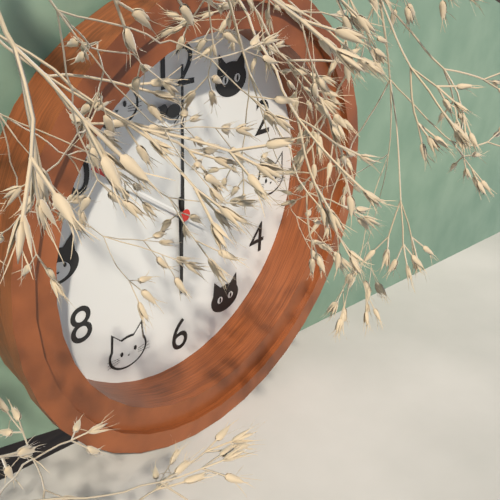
**6:00:51**
